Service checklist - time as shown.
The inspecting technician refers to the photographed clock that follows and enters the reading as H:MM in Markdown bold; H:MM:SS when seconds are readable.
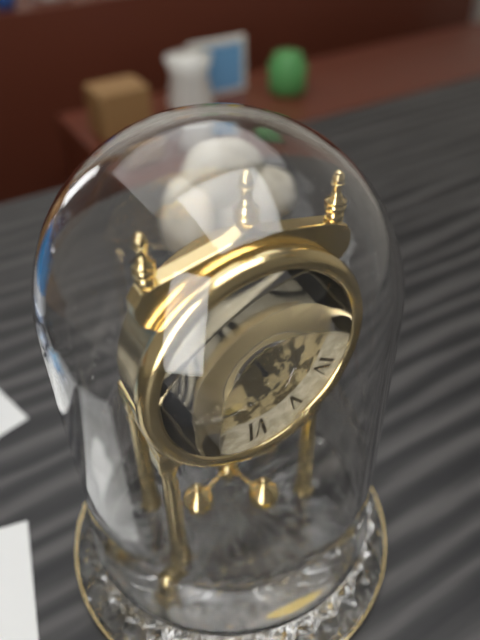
**12:56**
